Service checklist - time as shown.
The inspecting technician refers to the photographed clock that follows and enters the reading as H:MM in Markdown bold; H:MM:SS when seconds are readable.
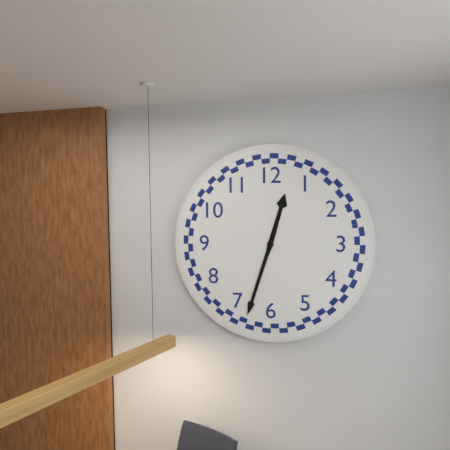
**12:33**
